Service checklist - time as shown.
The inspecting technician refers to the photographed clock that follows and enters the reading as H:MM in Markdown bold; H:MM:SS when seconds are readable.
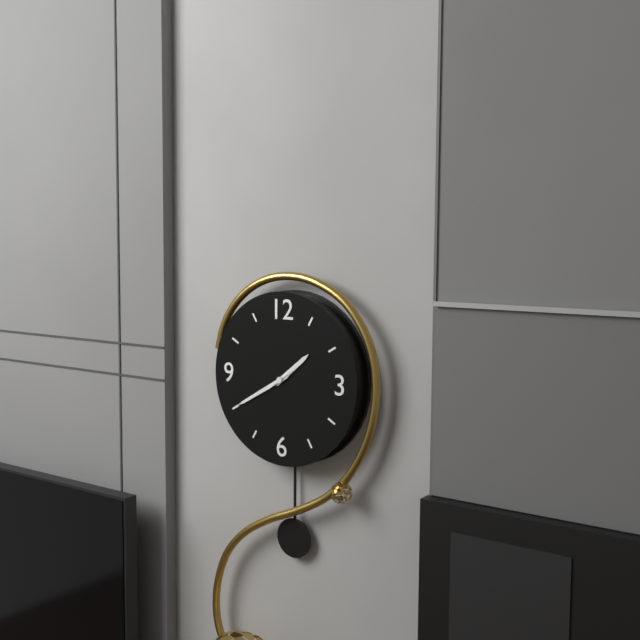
**1:40**
